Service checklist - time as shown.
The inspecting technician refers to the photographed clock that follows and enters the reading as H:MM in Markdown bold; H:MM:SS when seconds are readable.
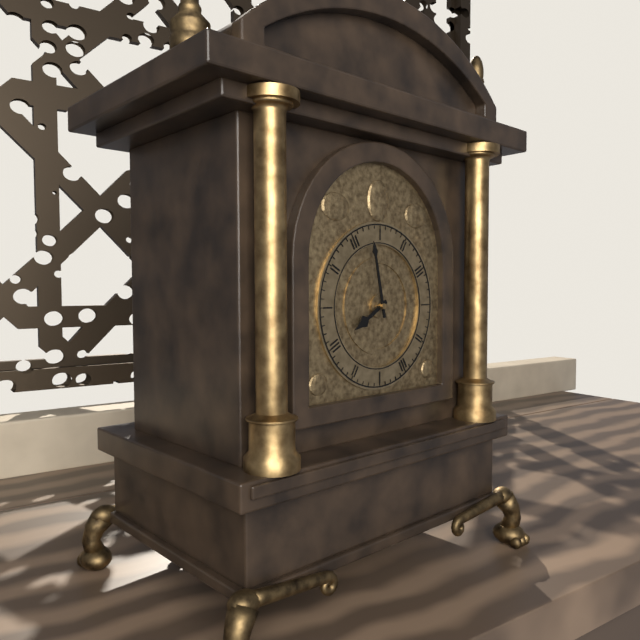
**7:58**
